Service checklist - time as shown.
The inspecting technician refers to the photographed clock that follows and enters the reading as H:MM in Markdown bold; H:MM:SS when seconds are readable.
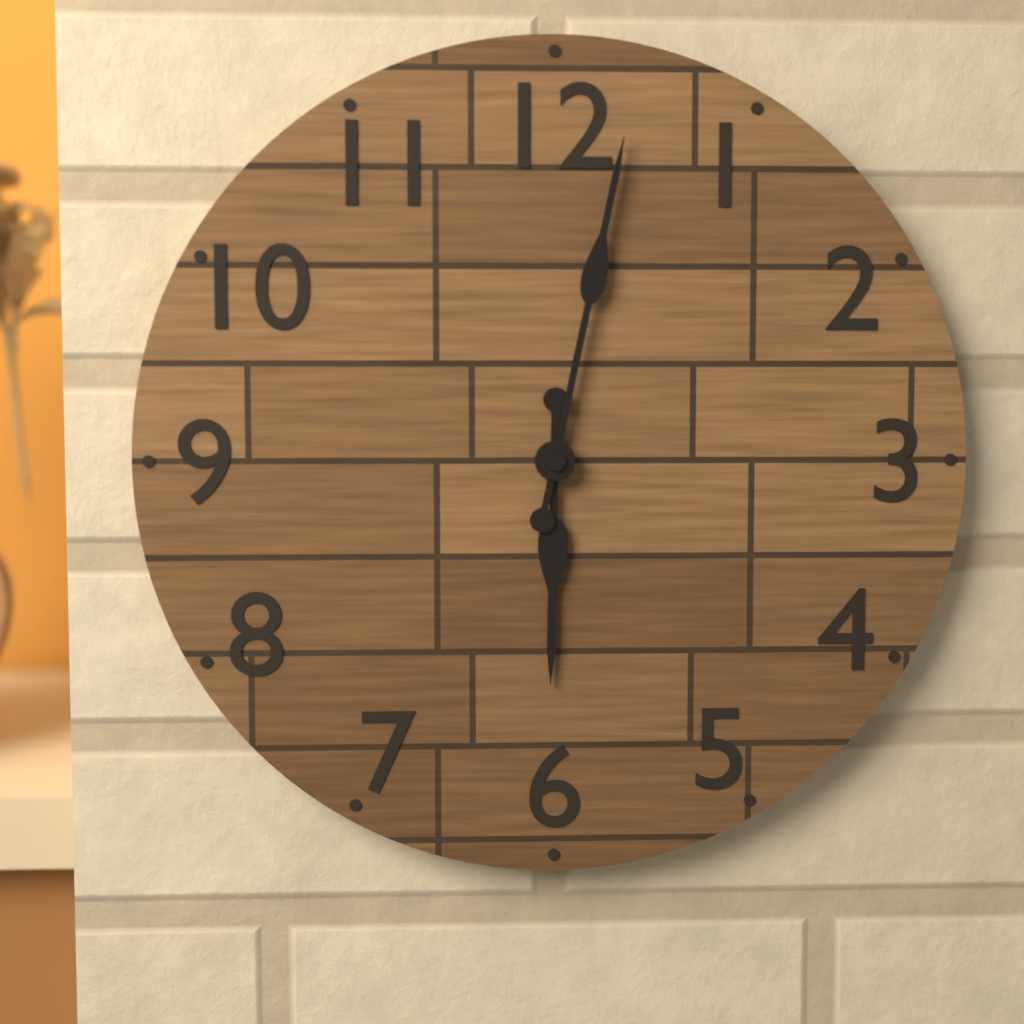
**6:02**
